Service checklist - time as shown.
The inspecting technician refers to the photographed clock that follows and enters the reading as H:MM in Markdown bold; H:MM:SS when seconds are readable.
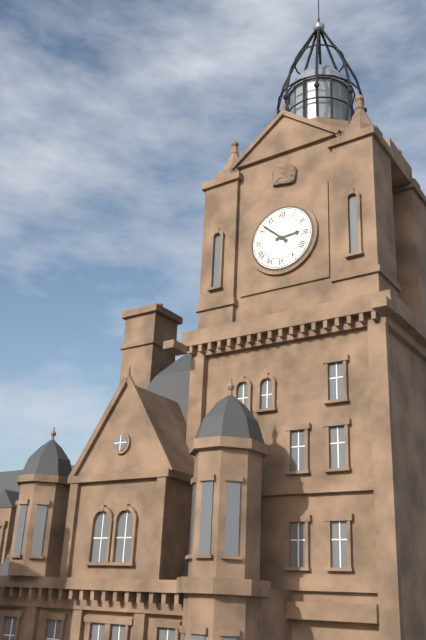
**2:52**
